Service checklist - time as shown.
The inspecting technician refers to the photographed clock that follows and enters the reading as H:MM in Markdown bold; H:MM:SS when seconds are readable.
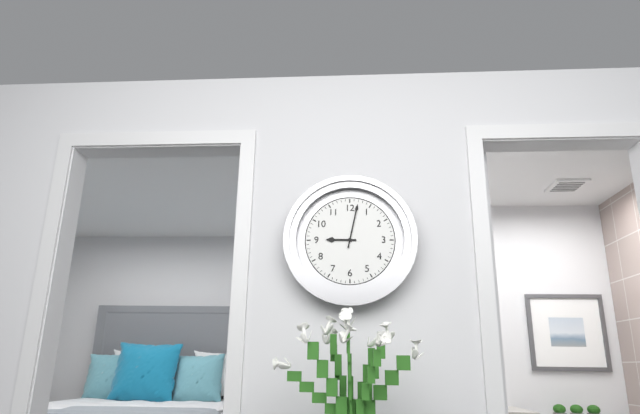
**9:02**
